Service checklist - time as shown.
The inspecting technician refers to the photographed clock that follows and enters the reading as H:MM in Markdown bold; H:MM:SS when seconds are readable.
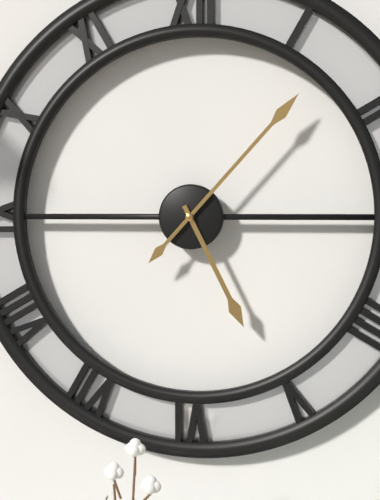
**5:07**
